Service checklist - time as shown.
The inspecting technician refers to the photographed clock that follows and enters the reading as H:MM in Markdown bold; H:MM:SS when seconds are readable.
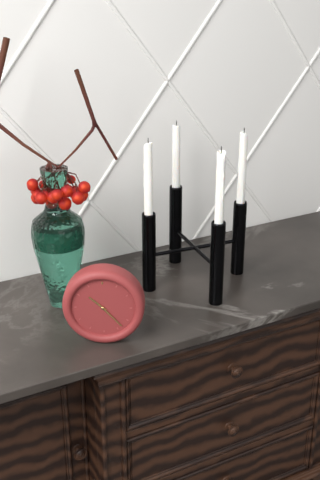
**10:23**
